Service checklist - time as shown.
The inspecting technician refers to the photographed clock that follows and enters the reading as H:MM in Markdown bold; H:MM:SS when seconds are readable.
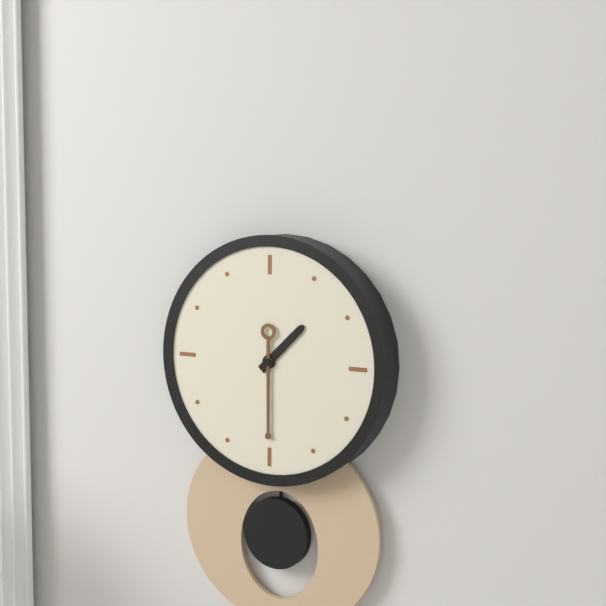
**1:30**
